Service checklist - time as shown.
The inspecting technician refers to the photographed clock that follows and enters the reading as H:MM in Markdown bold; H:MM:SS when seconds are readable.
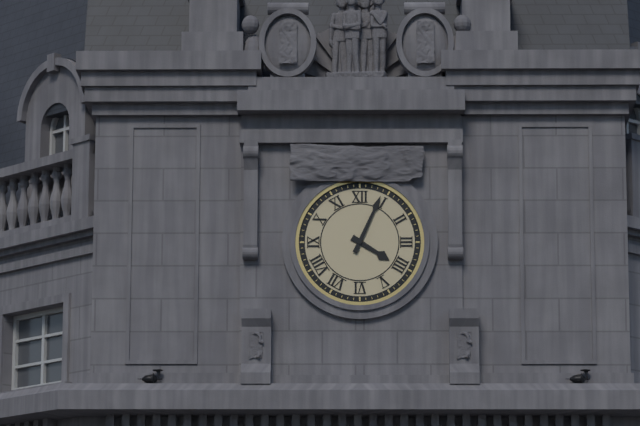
**4:04**
